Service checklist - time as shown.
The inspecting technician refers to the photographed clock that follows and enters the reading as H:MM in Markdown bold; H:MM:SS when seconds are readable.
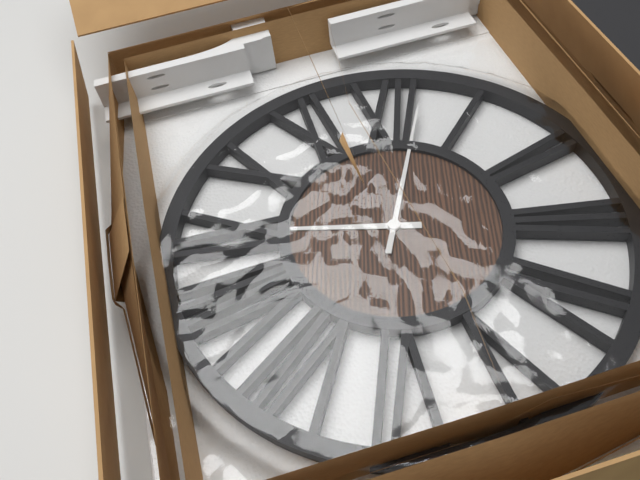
**9:02**
